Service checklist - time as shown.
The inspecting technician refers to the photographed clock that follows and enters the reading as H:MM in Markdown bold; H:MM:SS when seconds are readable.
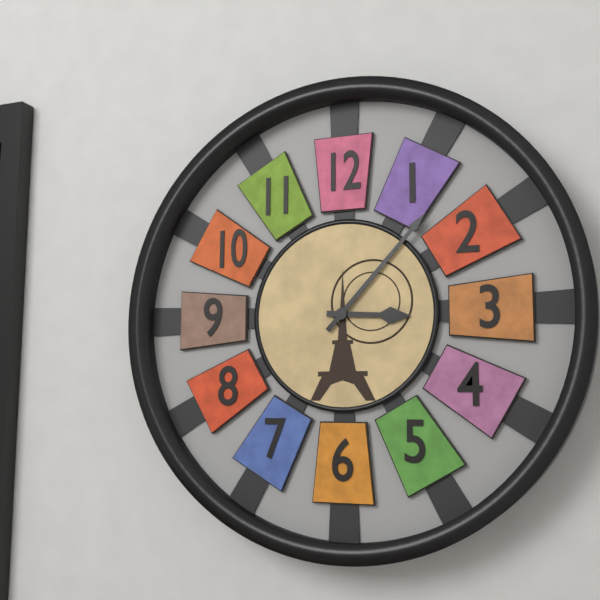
**3:07**
